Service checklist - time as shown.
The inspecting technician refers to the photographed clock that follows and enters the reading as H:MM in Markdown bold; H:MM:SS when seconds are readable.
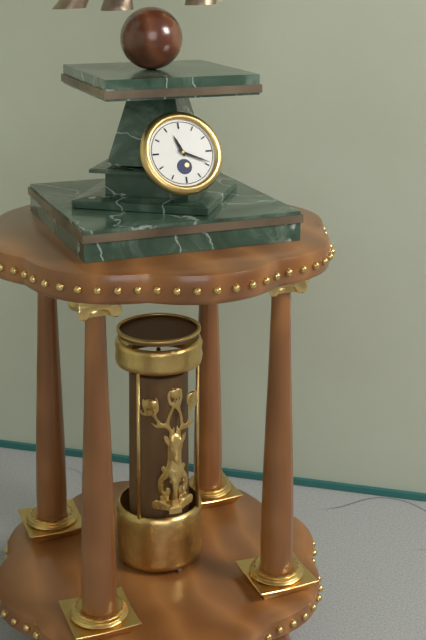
**11:19**
